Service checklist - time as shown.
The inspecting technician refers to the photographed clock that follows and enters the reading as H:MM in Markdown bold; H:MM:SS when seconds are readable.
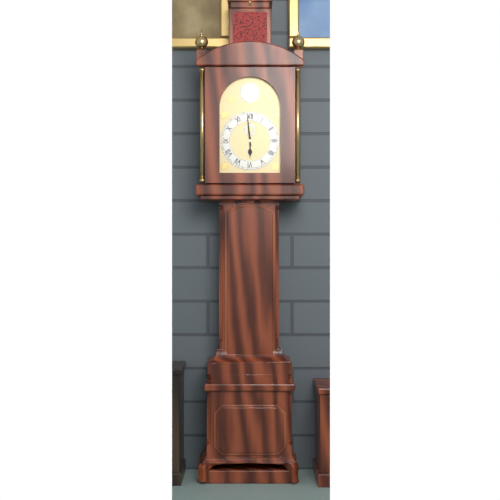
**5:59**
